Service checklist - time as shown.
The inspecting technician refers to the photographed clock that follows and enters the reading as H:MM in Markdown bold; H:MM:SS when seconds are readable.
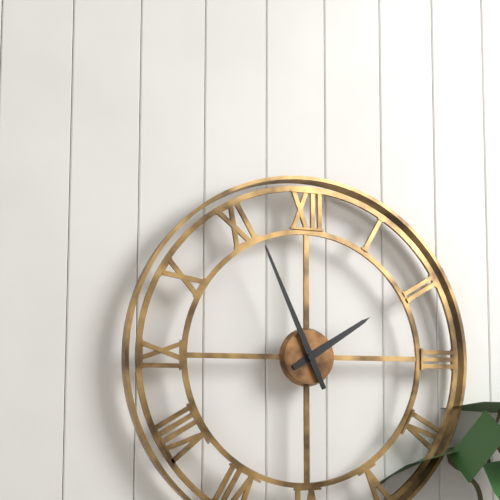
**1:56**
